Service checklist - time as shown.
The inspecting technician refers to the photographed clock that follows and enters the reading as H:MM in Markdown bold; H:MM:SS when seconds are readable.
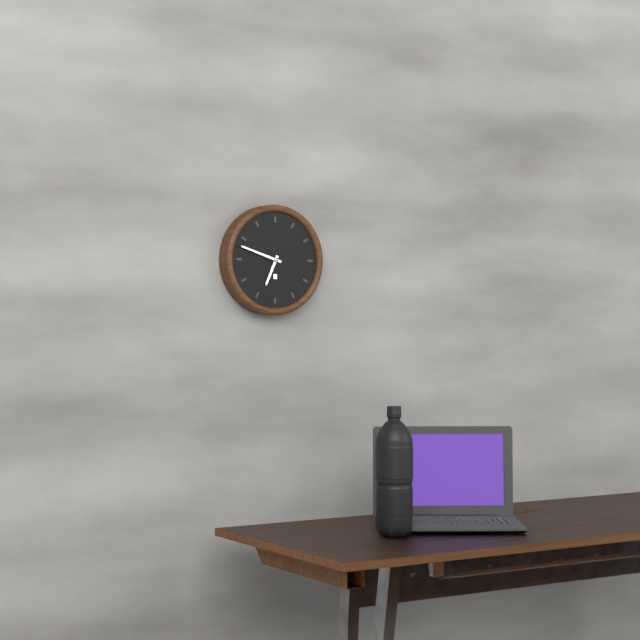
**6:48**
